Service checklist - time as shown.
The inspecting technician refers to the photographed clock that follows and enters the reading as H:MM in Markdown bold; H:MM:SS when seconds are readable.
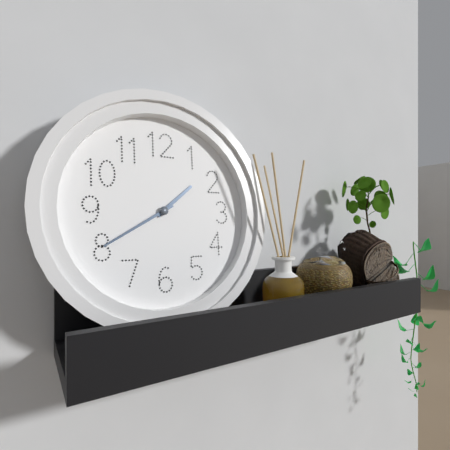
**1:40**
